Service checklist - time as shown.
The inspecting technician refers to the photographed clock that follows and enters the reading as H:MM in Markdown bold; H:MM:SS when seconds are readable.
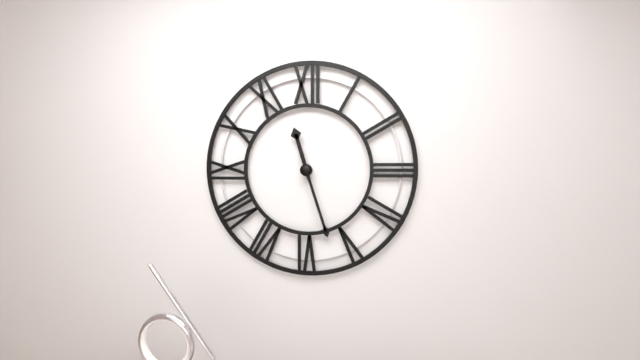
**11:27**
